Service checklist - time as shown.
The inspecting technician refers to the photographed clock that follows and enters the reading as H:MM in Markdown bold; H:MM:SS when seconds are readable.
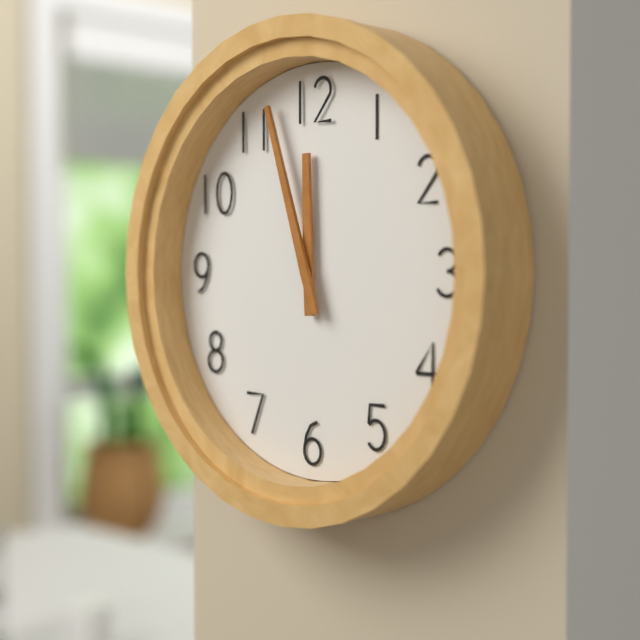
**11:57**
